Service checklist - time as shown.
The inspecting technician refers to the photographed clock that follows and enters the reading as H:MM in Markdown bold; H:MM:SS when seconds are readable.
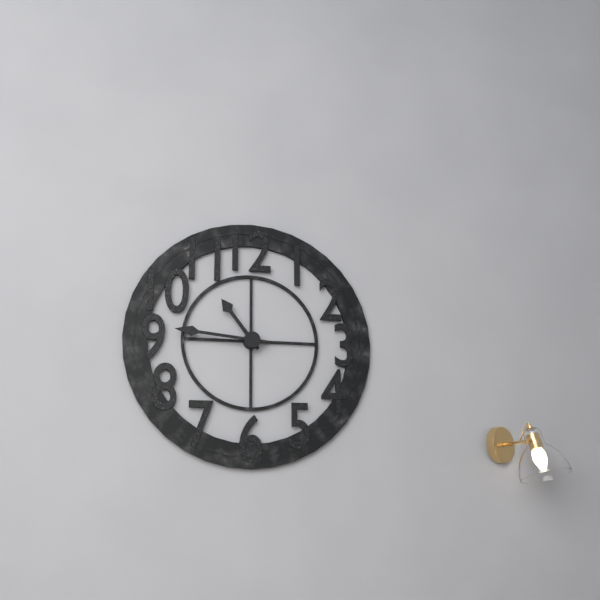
**10:46**
